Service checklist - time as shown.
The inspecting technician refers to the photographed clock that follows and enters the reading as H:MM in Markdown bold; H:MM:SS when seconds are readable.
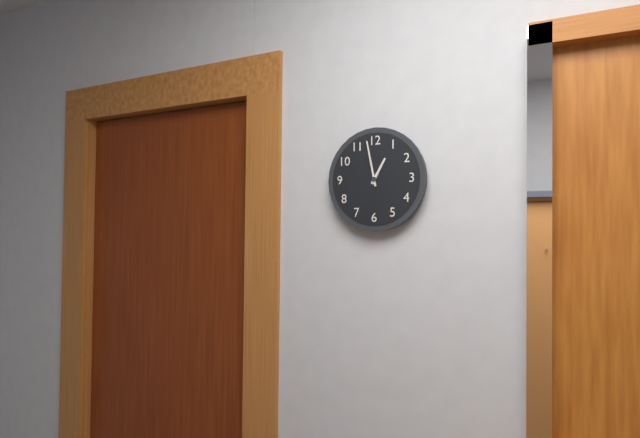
**12:58**
